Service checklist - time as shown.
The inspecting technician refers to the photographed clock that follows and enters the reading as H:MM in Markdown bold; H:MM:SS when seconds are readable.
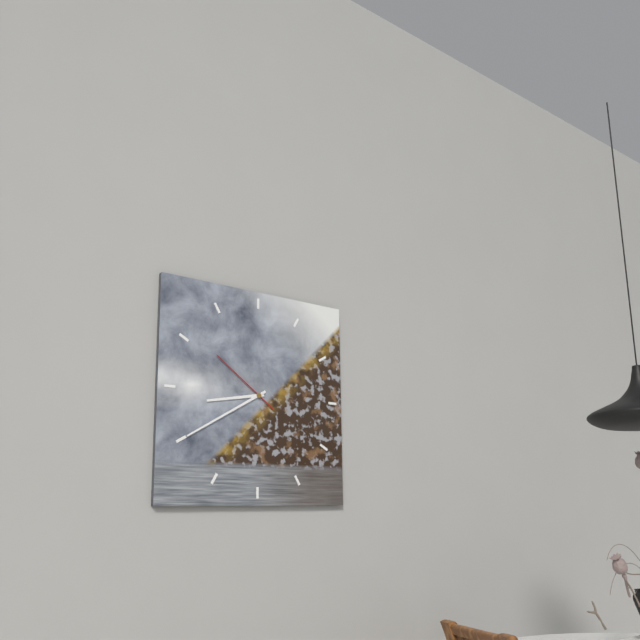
**8:40:51**
